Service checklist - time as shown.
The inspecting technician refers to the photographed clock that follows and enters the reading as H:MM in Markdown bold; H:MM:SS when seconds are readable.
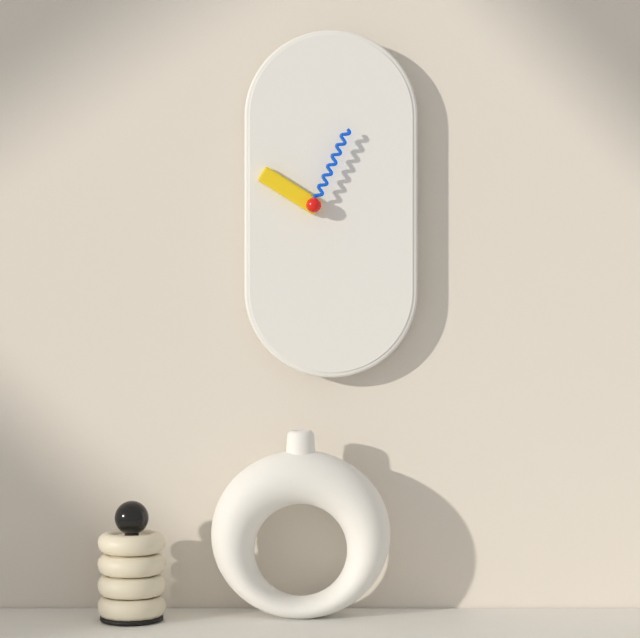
**10:04**
